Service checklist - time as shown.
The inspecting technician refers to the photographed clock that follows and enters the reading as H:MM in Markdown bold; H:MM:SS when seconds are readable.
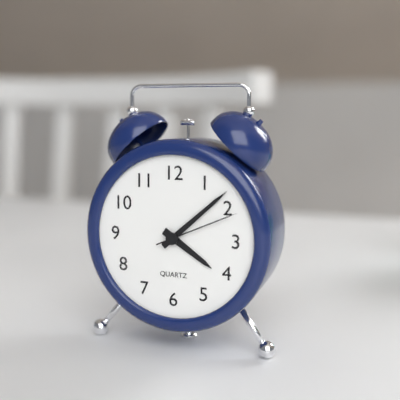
**4:08:11**
